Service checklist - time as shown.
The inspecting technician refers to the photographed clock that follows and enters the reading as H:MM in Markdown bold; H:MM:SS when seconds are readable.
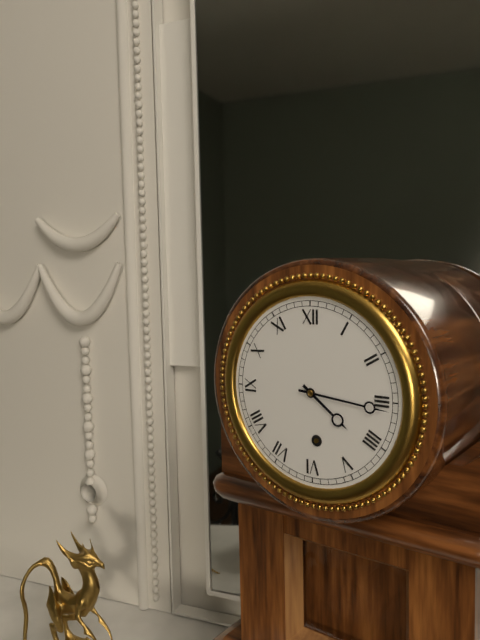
**4:16**
